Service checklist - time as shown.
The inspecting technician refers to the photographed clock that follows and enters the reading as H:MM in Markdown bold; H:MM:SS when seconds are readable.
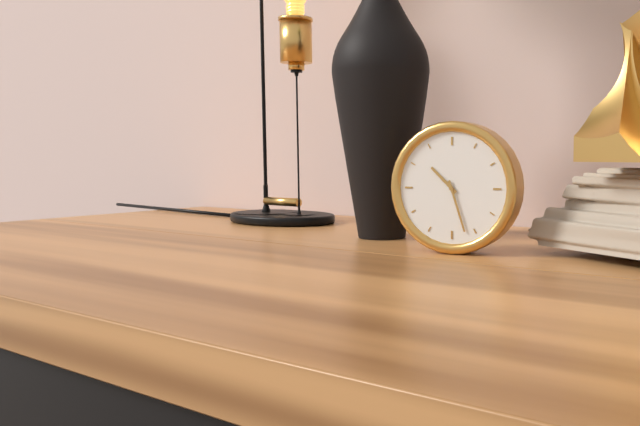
**10:27**
